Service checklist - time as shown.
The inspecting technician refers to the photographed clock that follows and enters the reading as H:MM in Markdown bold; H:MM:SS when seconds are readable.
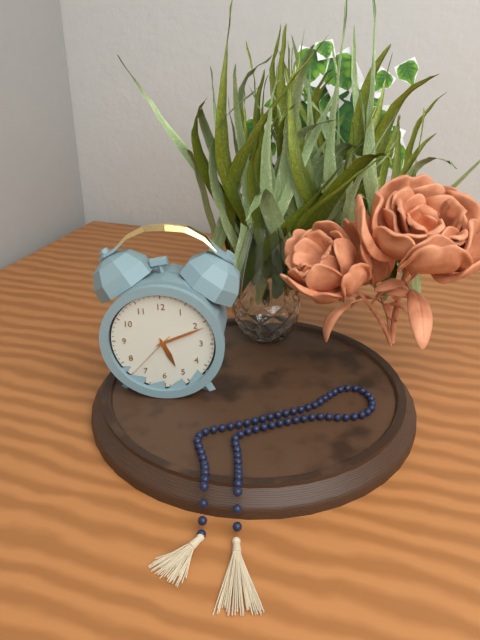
**5:11:37**
